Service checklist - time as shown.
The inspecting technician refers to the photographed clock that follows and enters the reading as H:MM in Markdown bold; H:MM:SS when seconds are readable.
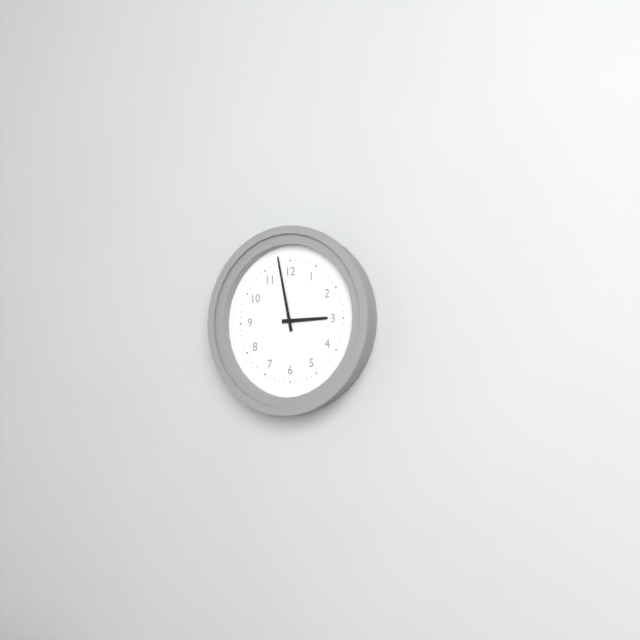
**2:58**
